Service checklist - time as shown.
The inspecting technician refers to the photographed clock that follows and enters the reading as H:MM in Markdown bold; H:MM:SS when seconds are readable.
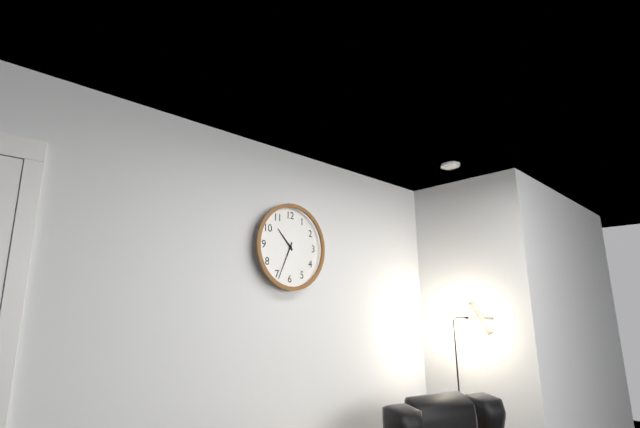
**10:34**
